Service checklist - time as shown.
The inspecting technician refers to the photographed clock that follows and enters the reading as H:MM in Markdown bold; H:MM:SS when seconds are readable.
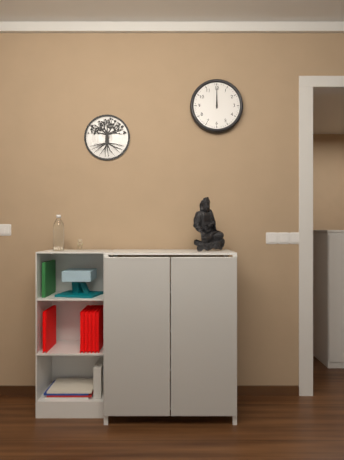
**12:00**
